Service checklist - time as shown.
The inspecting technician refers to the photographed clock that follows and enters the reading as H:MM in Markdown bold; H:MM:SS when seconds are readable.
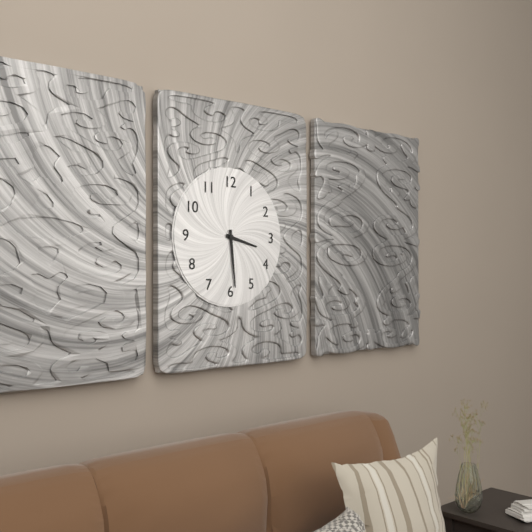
**3:29**
